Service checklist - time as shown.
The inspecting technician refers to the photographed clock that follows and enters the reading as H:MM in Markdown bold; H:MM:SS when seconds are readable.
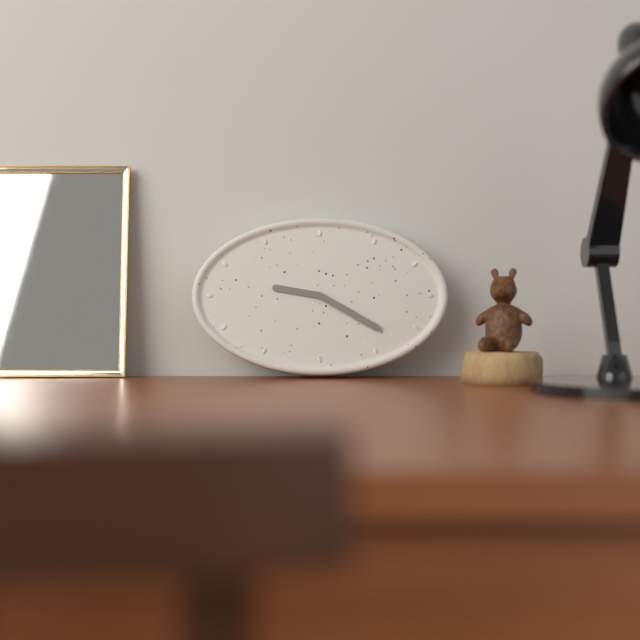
**9:20**
